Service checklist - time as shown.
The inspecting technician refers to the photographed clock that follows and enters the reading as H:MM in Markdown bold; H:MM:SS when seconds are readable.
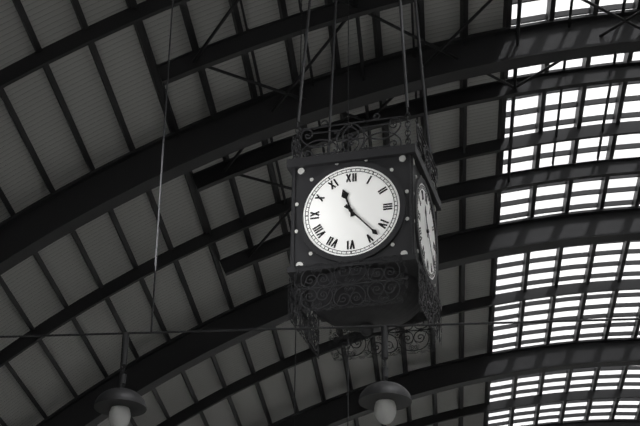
**11:23**
